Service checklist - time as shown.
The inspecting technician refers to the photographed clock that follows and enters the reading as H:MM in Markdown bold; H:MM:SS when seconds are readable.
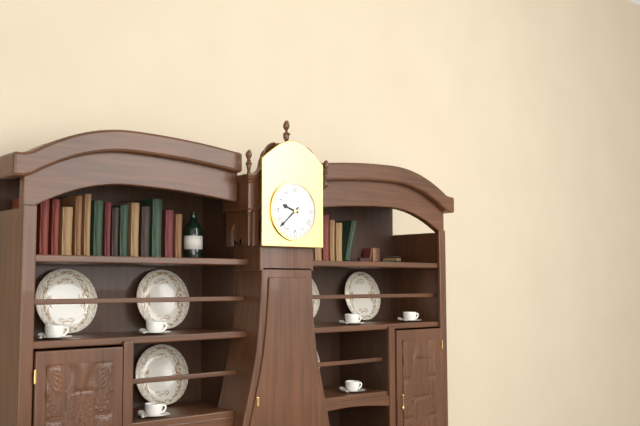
**9:38**
